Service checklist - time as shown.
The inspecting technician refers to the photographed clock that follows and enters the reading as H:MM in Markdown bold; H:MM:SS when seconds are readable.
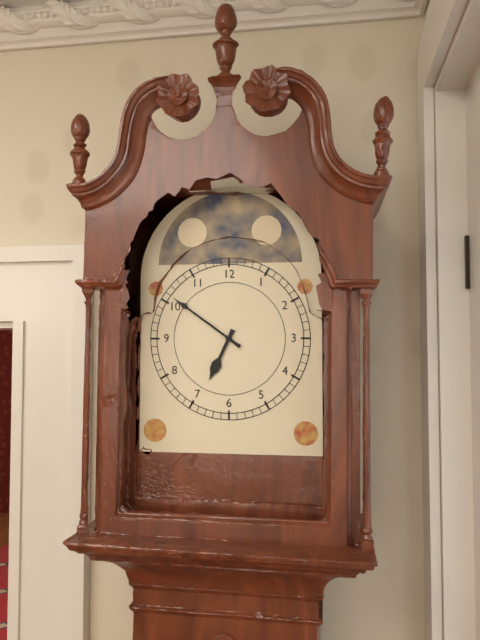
**6:51**
